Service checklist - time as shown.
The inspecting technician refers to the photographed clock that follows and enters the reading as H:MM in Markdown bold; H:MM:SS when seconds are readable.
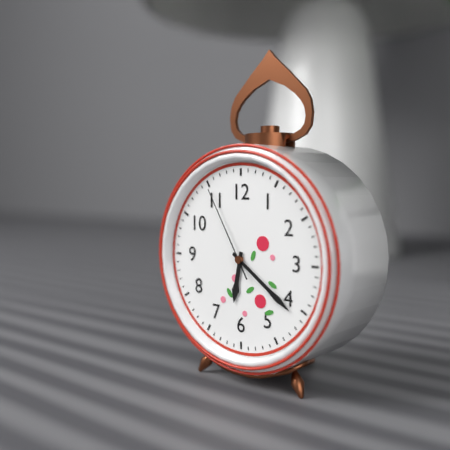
**6:21:55**
